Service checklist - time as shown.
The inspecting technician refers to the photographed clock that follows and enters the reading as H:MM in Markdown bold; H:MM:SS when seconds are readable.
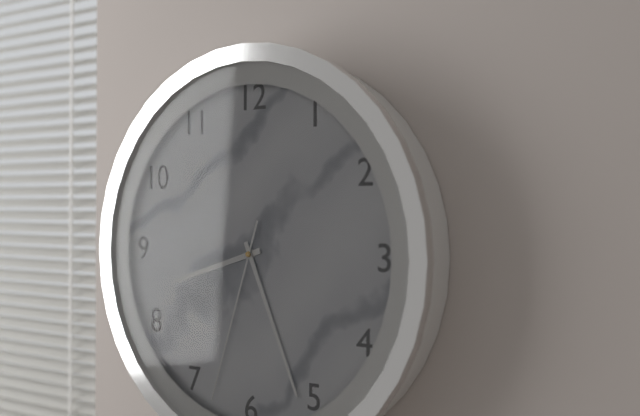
**8:26:33**
